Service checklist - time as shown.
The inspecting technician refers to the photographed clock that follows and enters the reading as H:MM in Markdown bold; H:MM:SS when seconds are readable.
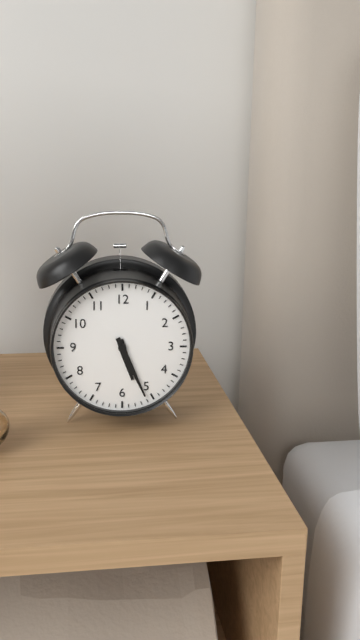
**5:26**
